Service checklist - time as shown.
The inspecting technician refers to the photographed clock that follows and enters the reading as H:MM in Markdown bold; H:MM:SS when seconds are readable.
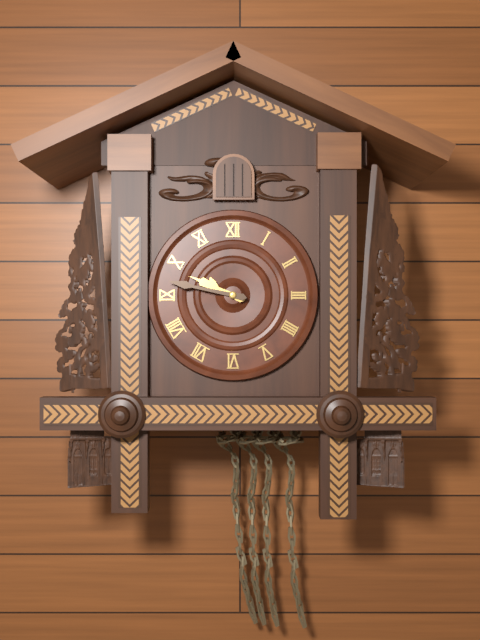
**9:47**
